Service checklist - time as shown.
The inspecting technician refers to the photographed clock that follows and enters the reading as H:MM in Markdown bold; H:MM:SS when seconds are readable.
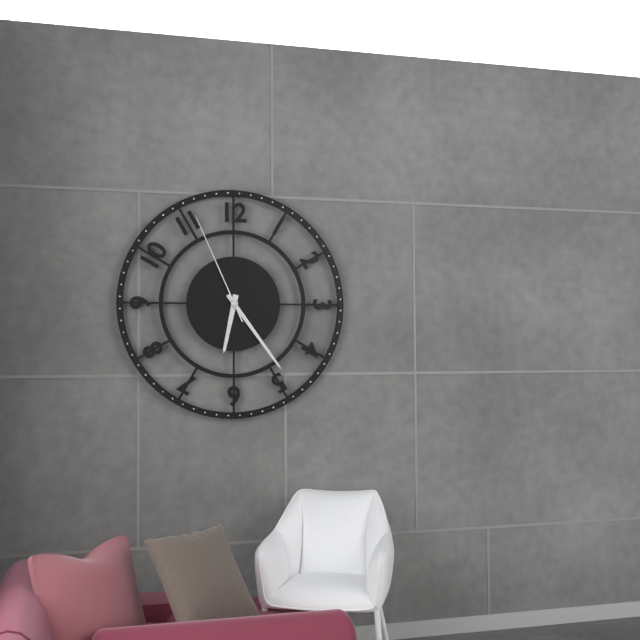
**6:24:56**
